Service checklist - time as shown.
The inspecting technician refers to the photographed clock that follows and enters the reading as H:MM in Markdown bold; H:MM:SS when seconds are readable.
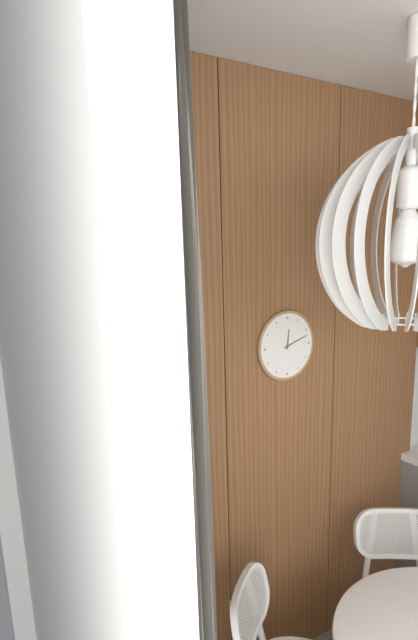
**12:12**
